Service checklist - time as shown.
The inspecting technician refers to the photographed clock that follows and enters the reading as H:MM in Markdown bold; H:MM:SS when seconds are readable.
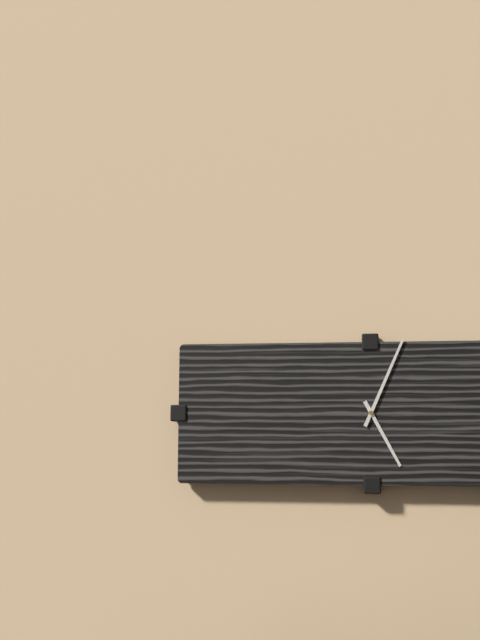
**5:04**
